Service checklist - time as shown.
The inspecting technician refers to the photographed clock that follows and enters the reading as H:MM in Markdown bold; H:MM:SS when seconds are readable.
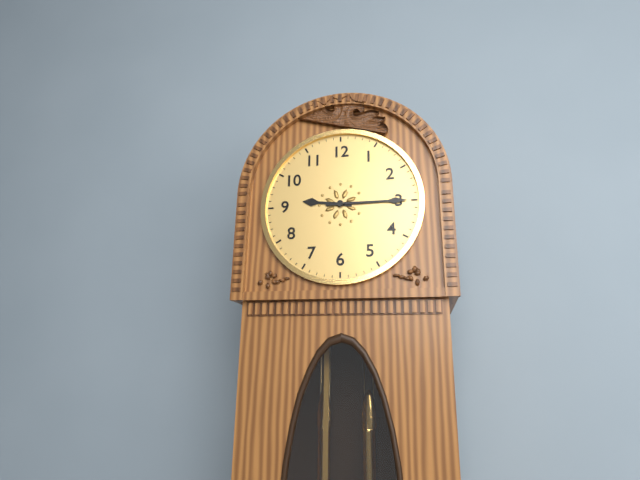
**9:15**
